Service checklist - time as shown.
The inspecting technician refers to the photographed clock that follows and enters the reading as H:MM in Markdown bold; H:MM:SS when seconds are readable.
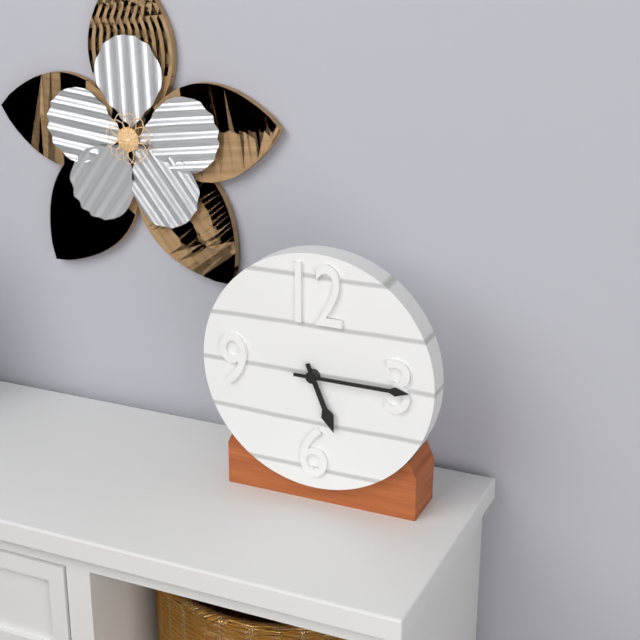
**5:15**
